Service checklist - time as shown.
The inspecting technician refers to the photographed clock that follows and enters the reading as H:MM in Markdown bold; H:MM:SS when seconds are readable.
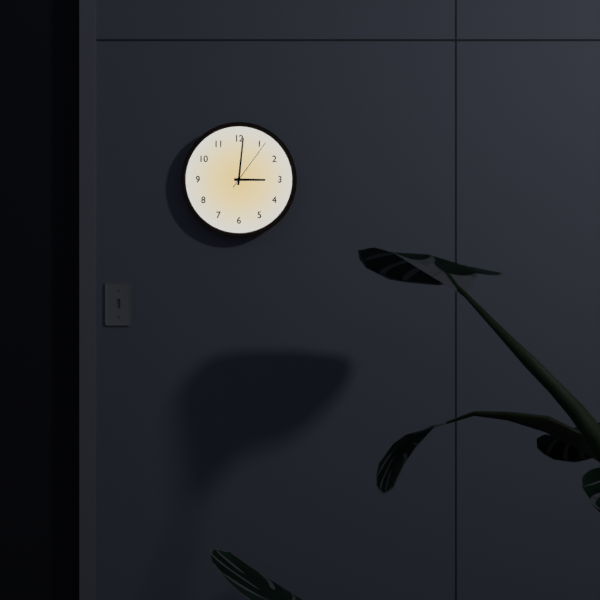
**3:01:06**
